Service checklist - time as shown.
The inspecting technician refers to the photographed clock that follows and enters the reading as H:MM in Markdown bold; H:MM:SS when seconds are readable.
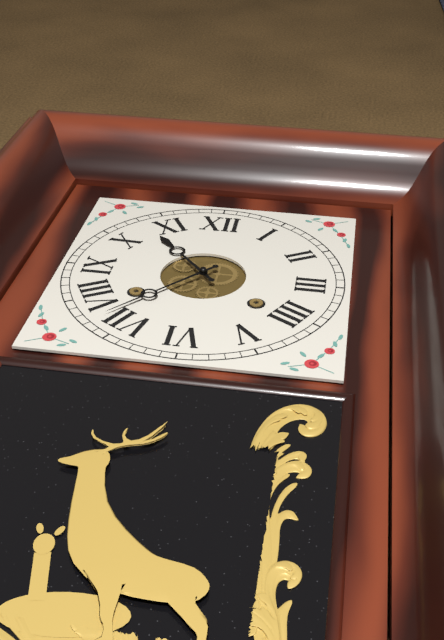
**10:37**
